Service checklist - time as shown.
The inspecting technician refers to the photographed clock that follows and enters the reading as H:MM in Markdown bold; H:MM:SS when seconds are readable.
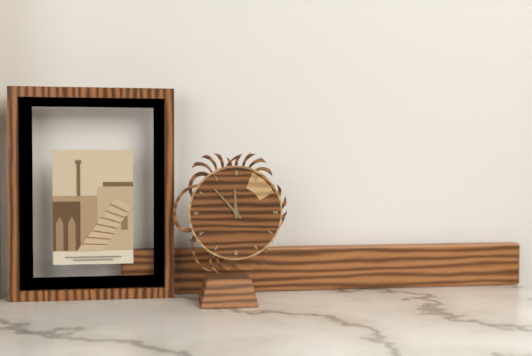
**11:53**
